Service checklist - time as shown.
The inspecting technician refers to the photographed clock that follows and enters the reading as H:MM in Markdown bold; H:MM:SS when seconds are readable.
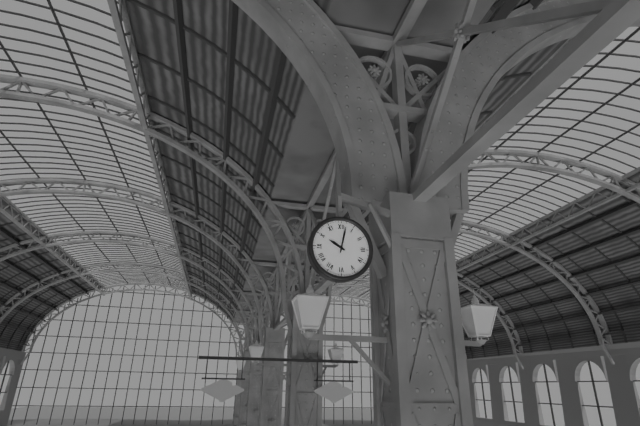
**10:02**
